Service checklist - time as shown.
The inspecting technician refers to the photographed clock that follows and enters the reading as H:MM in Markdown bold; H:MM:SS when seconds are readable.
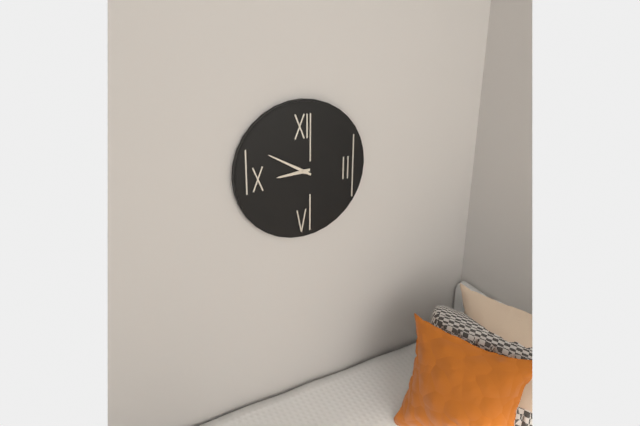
**8:50**
